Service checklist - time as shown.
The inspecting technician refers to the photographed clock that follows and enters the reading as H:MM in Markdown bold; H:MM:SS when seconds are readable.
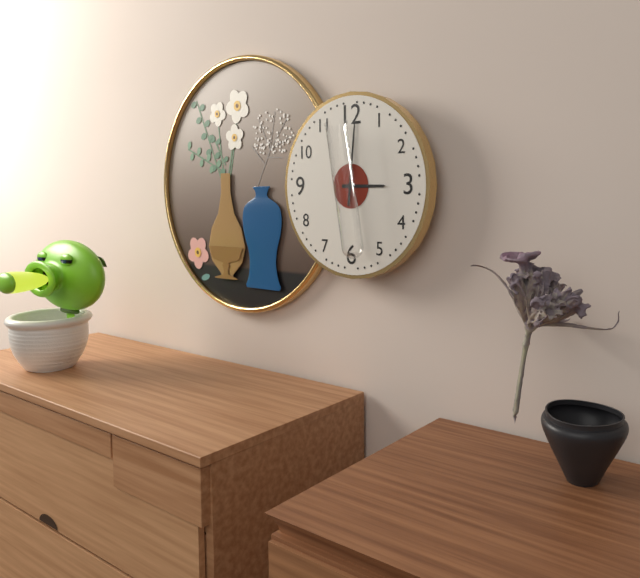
**3:01**
